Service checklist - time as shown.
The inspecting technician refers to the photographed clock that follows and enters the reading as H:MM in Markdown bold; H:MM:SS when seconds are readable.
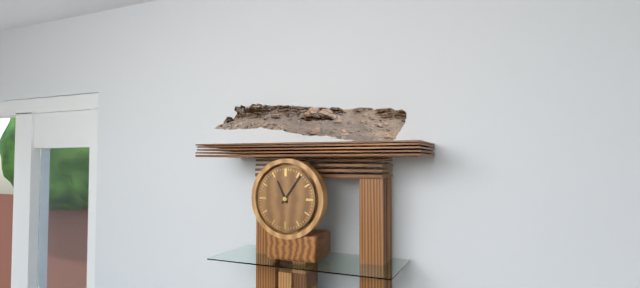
**11:06**
